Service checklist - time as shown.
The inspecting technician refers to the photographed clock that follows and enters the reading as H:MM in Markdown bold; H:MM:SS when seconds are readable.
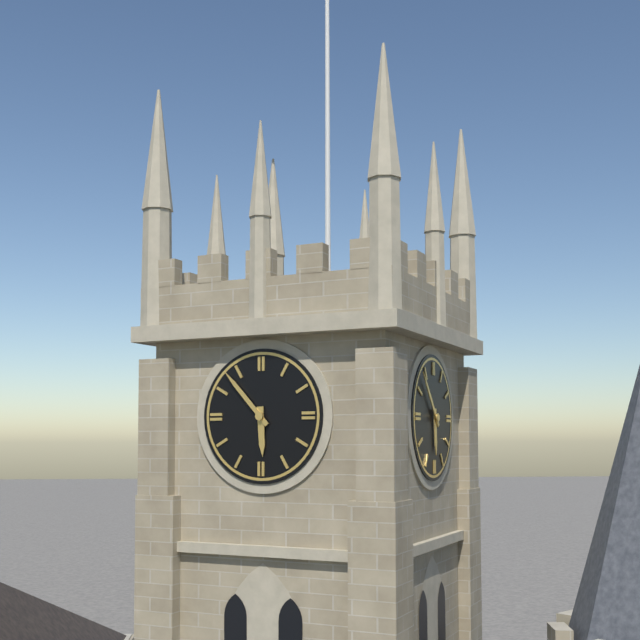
**5:53**
